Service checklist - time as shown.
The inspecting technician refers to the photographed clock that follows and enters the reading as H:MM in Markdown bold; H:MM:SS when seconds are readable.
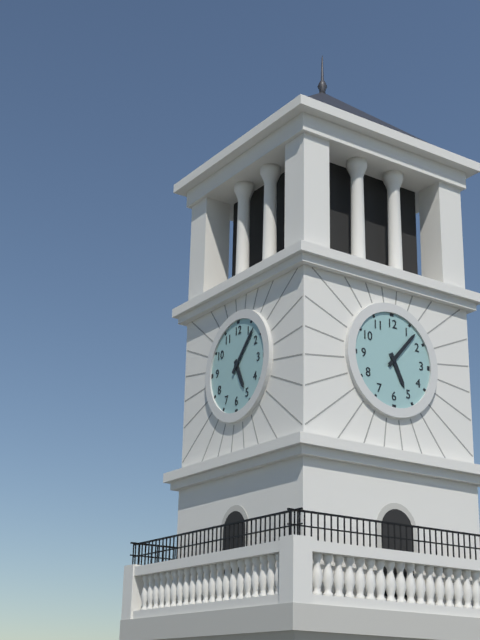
**5:07**
